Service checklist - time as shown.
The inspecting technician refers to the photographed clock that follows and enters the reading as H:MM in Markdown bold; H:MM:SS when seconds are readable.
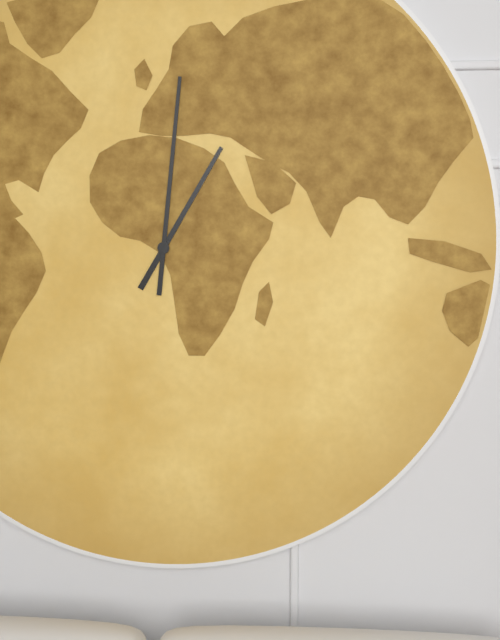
**1:01**
